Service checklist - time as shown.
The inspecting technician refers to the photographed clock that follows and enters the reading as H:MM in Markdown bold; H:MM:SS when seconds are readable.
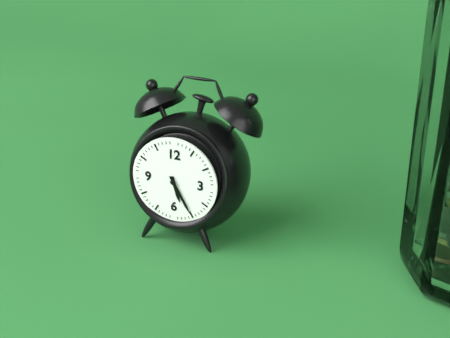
**5:25**
